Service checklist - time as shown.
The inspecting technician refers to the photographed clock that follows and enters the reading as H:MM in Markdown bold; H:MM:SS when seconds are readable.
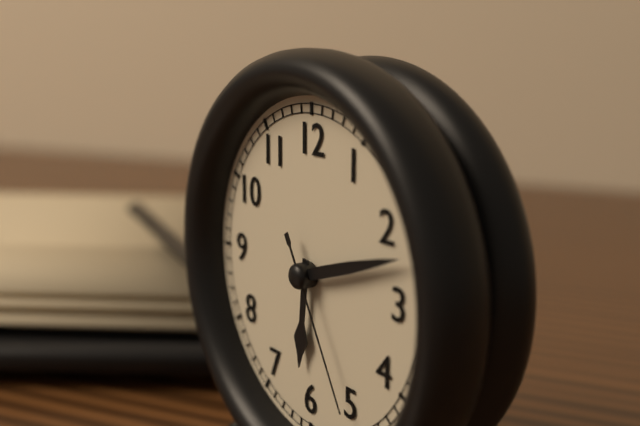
**6:12:25**
